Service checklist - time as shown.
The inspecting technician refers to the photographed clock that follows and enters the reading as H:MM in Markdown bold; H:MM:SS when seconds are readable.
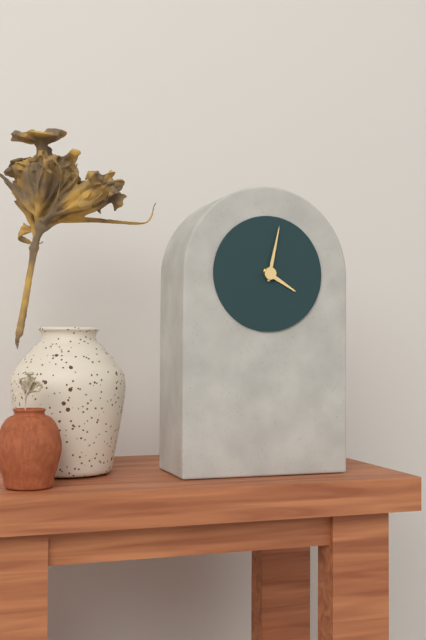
**4:02**
